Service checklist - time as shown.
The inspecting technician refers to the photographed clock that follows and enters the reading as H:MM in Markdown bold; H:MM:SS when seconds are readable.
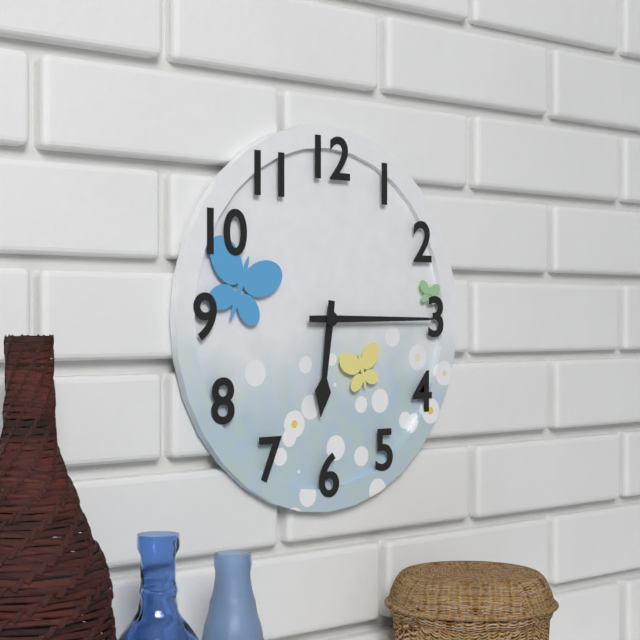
**6:15**
